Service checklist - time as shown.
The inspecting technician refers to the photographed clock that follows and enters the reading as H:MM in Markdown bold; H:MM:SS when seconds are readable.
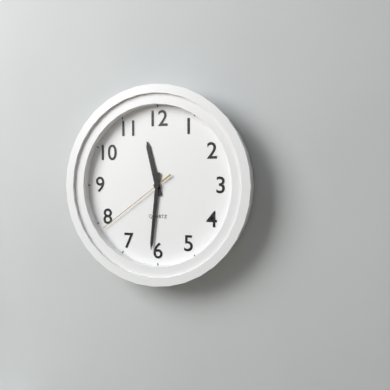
**11:31:39**
